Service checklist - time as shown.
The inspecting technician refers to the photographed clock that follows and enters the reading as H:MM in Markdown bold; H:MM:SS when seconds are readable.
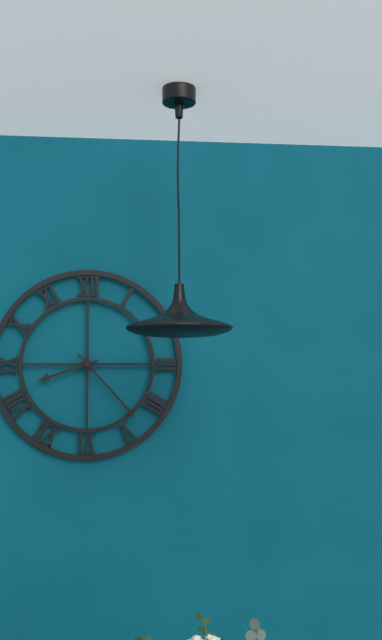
**8:23**
